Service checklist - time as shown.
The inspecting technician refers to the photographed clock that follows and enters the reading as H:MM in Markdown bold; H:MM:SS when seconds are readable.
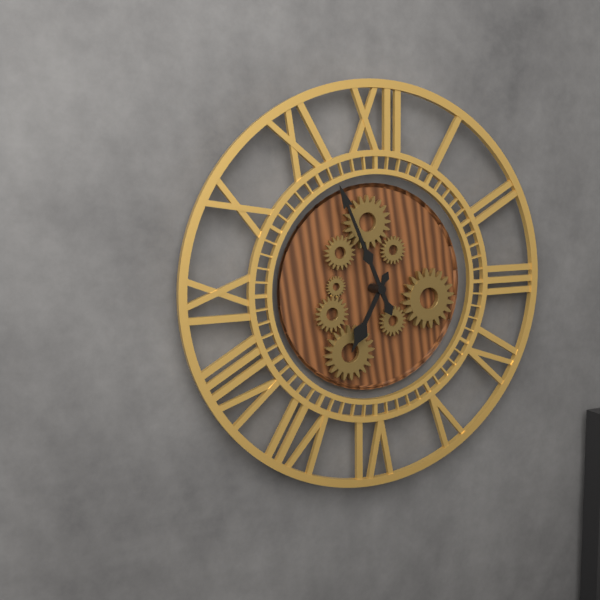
**6:56**
